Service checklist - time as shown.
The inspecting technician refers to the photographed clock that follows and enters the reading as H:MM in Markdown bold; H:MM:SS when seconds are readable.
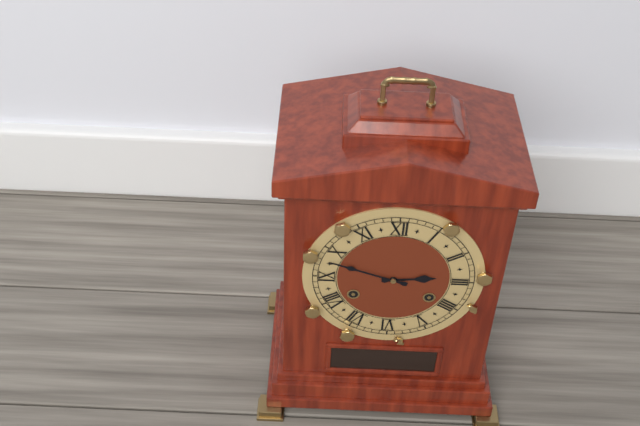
**2:48**
